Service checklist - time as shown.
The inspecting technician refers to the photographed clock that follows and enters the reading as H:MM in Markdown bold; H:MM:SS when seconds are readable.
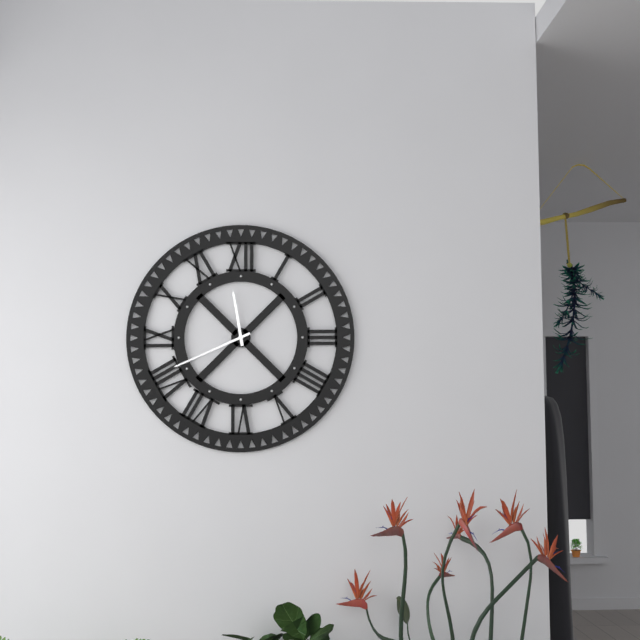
**11:41**
